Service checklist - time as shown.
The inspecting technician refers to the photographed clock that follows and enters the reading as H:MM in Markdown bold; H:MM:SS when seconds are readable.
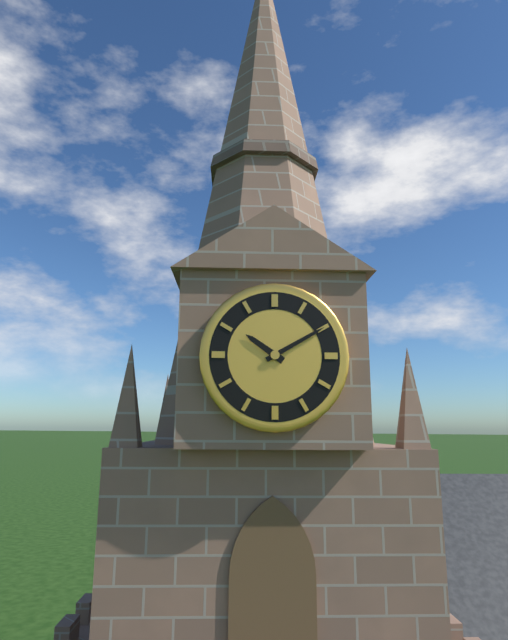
**10:10**
